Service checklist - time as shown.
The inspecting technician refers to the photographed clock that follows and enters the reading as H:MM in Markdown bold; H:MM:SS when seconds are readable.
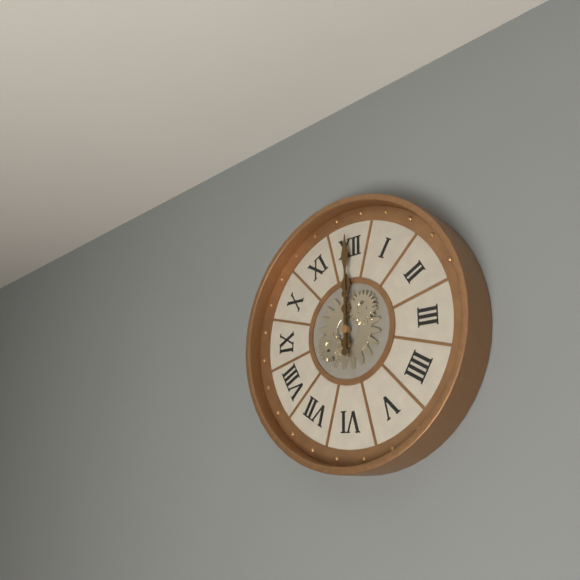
**12:00**
